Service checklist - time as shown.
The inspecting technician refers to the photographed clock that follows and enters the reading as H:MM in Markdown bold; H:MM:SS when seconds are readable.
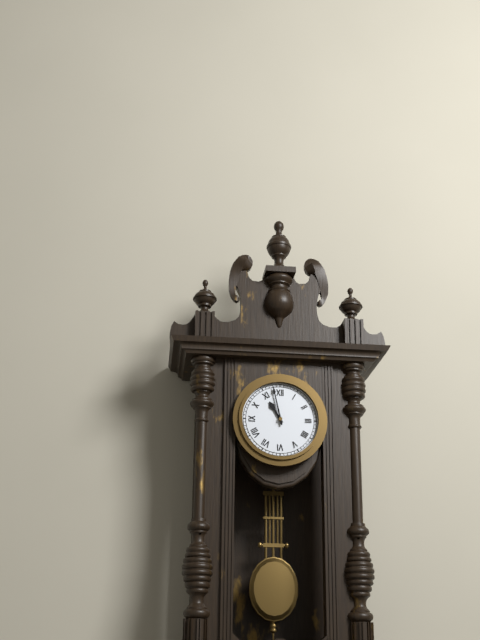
**10:58**
